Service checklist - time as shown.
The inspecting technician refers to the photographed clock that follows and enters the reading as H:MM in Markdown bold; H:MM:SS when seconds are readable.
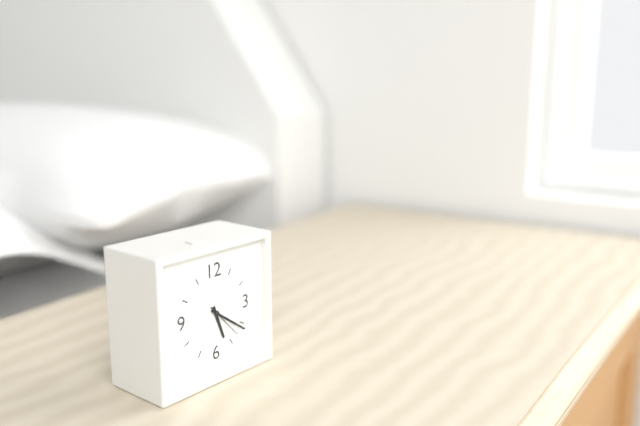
**5:21**
